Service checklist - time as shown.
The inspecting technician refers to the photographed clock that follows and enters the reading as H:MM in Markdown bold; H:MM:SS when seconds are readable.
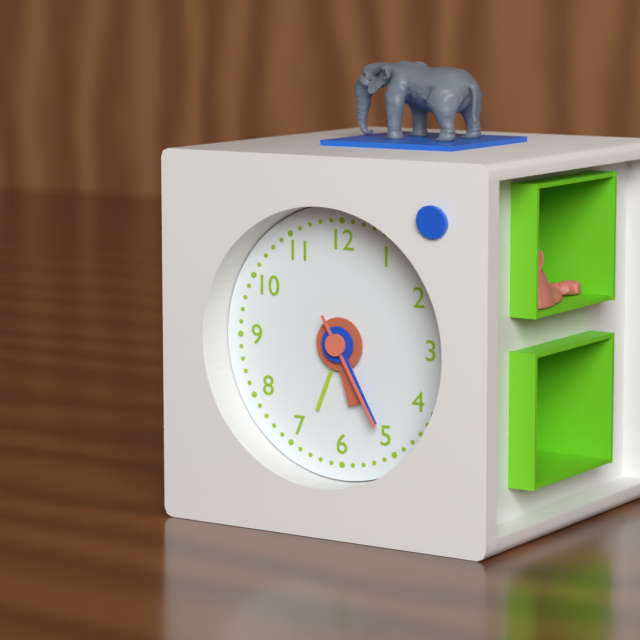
**5:25:25**
